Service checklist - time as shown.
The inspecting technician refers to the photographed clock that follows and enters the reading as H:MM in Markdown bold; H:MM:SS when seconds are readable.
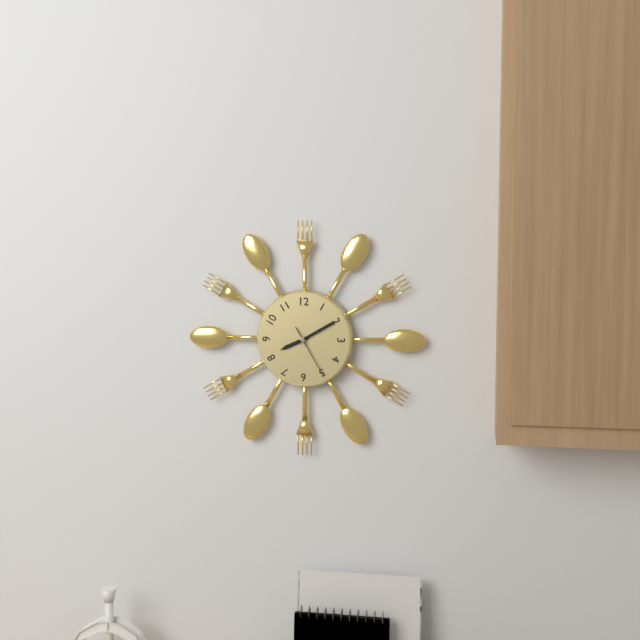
**8:10:25**
